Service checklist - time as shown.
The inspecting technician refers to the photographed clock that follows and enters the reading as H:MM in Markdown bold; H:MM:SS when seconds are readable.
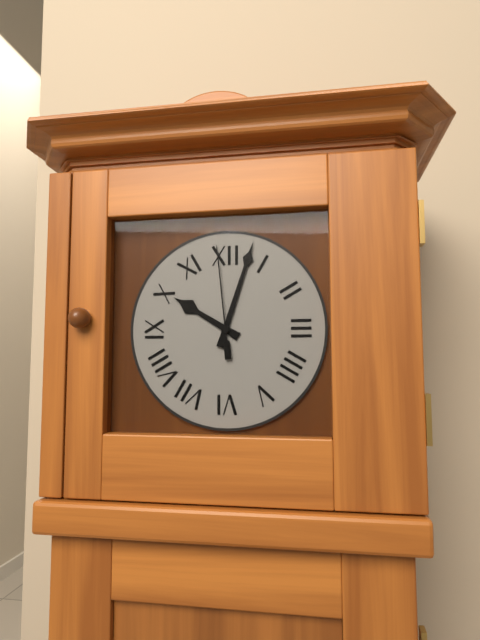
**10:03:59**
